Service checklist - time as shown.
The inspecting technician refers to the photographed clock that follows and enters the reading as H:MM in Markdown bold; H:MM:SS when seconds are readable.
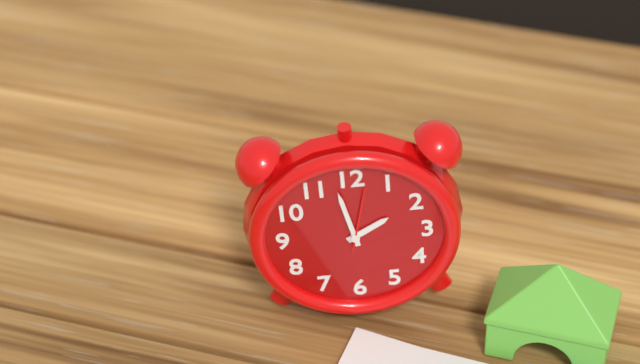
**1:58:02**
